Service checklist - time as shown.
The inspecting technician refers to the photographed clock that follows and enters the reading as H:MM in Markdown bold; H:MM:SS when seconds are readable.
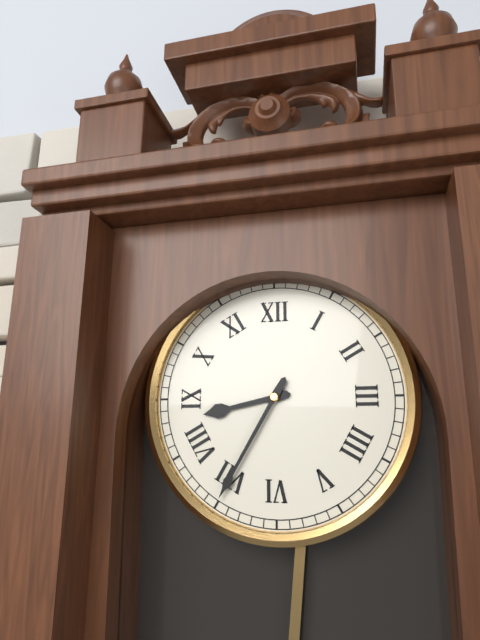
**8:35**
